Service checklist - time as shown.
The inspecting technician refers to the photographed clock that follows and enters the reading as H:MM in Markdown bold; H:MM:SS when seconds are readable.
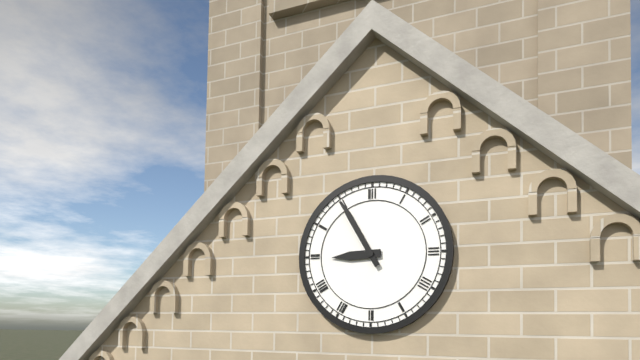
**8:55**
